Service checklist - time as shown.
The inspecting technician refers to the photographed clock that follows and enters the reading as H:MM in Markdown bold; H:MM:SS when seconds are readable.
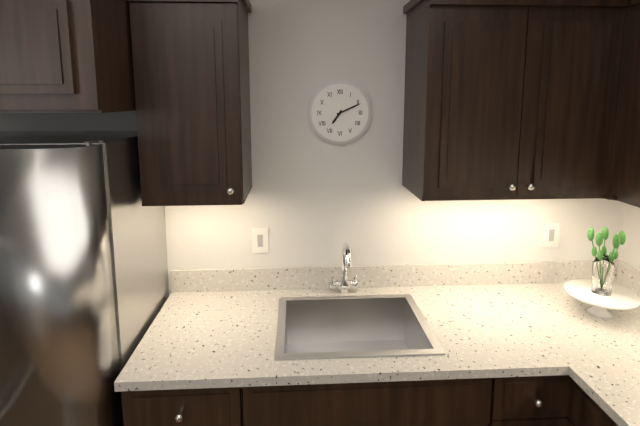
**7:11**
